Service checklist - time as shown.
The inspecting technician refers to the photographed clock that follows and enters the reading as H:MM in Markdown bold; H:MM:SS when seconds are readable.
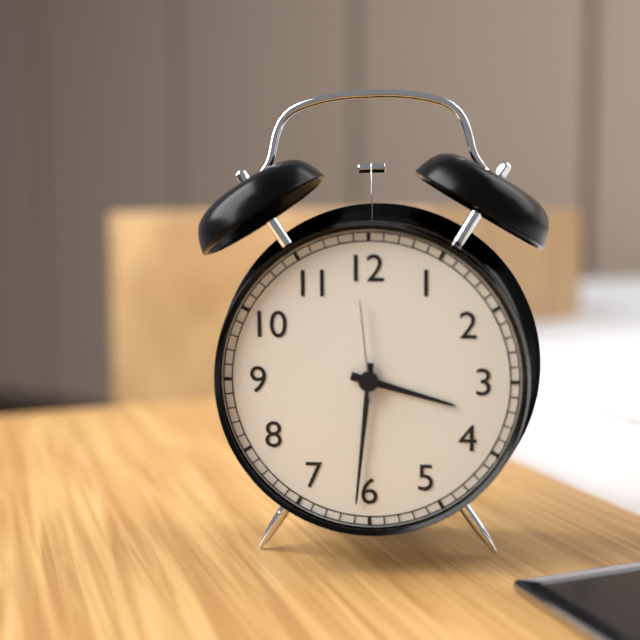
**3:31:59**
